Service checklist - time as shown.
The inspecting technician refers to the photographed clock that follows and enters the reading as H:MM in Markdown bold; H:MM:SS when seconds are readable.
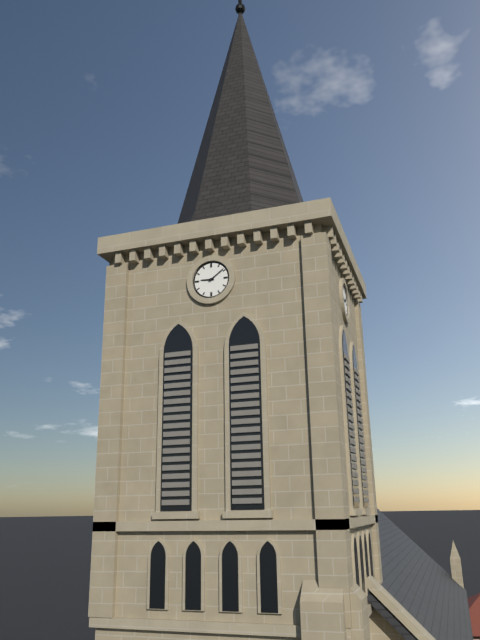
**9:09**
